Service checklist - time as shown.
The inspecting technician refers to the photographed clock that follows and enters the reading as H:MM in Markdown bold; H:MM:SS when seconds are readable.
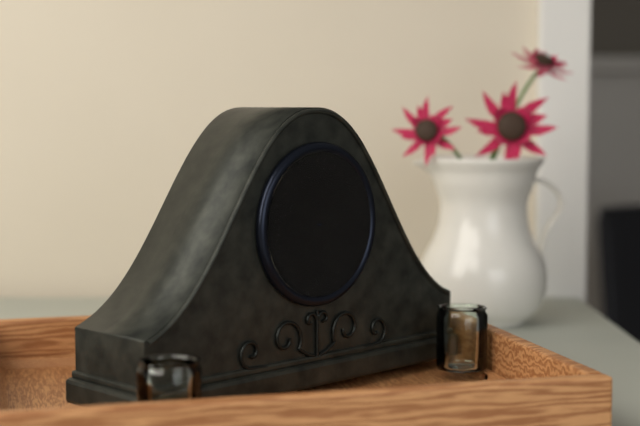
**5:37**
